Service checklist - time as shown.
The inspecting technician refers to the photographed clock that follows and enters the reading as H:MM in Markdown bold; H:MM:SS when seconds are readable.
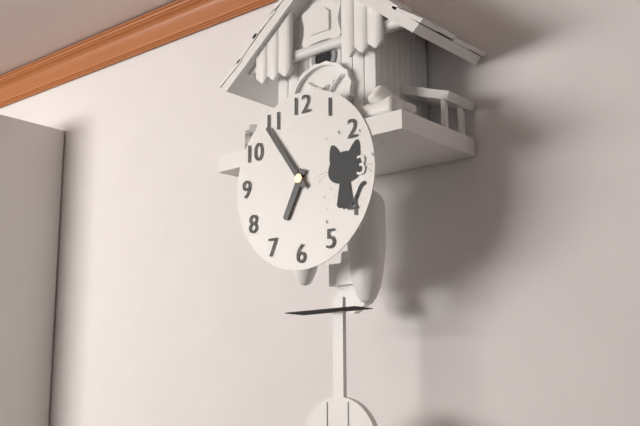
**6:54**
